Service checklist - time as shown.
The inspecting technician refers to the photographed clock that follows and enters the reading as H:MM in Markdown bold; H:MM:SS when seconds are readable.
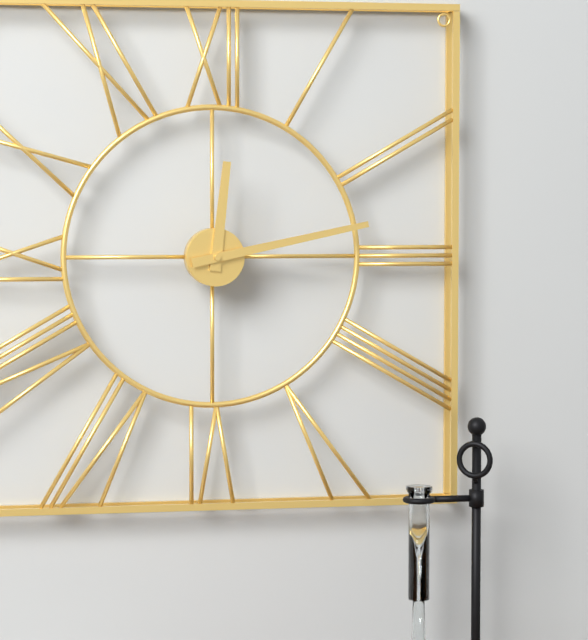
**12:13**
